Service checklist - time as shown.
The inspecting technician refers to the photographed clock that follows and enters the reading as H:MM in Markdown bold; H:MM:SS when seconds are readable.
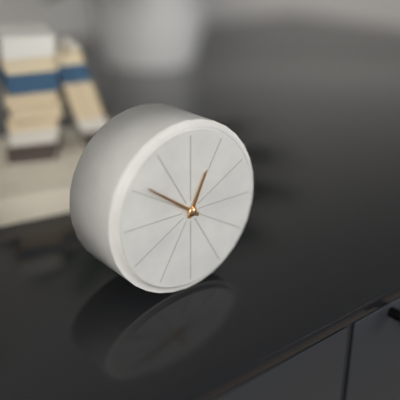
**12:51**
